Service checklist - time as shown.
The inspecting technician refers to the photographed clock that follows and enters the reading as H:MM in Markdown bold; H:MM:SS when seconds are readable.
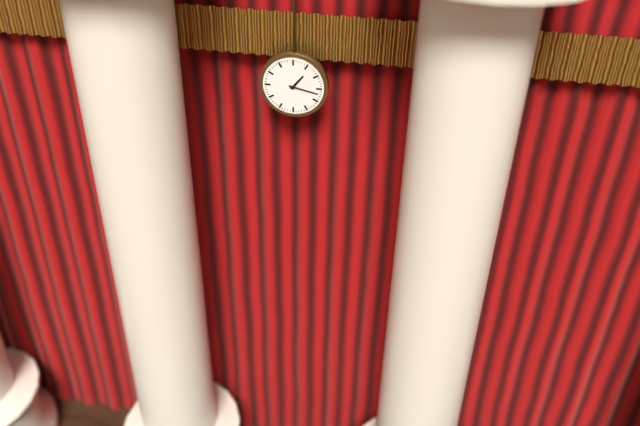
**1:17**
